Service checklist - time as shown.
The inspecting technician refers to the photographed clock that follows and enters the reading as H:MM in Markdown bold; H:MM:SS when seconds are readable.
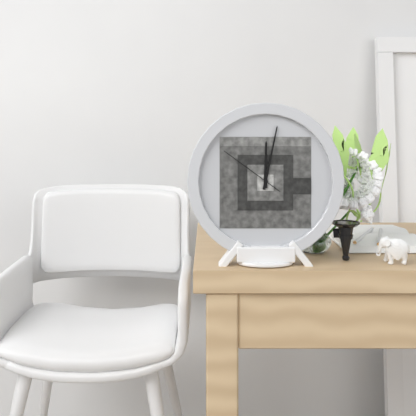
**12:02:51**
